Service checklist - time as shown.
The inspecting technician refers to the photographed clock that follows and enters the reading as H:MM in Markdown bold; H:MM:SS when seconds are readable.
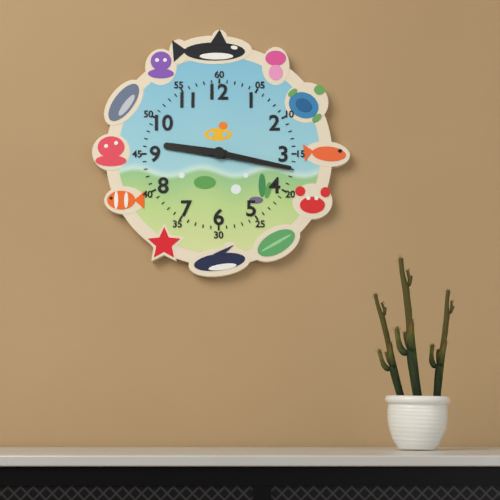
**9:17**
